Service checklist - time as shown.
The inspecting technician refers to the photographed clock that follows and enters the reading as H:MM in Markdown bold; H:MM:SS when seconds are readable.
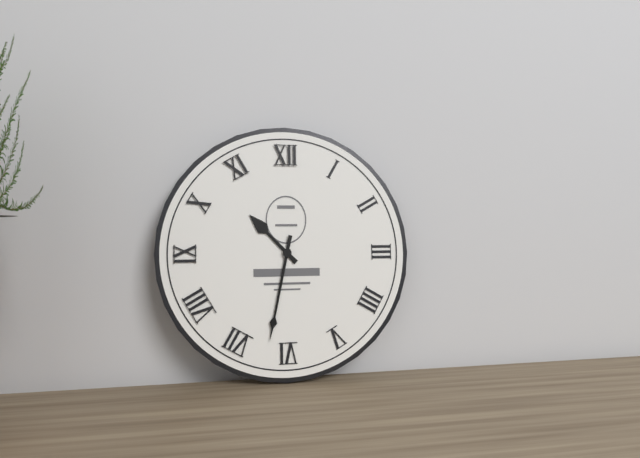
**10:32**
